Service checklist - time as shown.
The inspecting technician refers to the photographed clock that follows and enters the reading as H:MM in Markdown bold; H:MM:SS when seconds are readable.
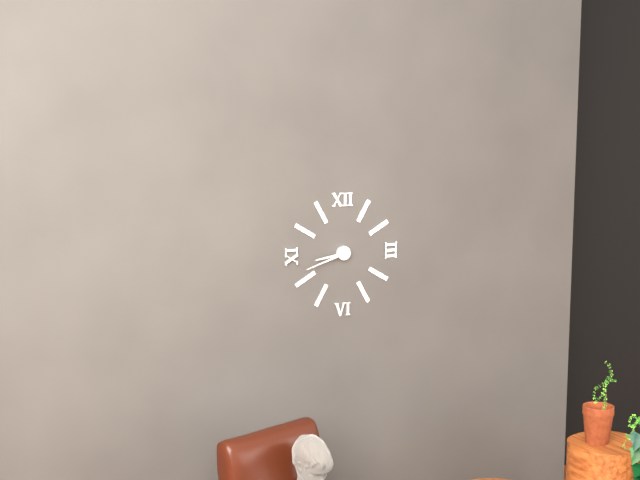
**8:42**
